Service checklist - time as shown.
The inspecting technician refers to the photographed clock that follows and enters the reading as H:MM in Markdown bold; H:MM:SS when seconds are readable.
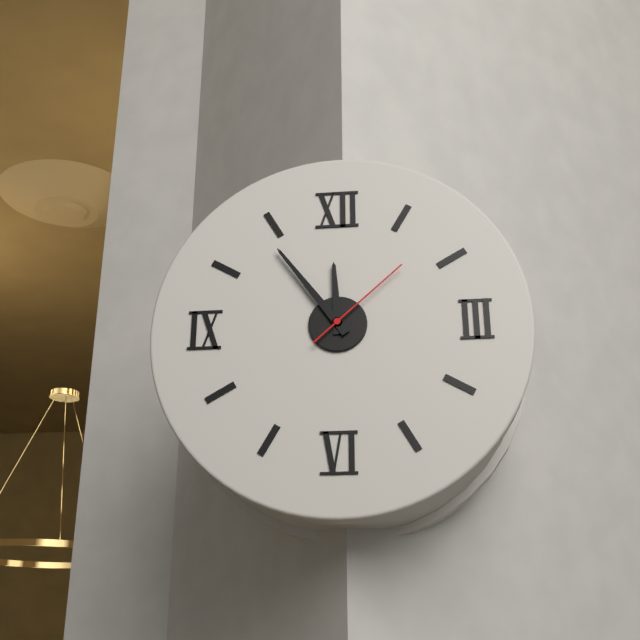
**11:54:08**
